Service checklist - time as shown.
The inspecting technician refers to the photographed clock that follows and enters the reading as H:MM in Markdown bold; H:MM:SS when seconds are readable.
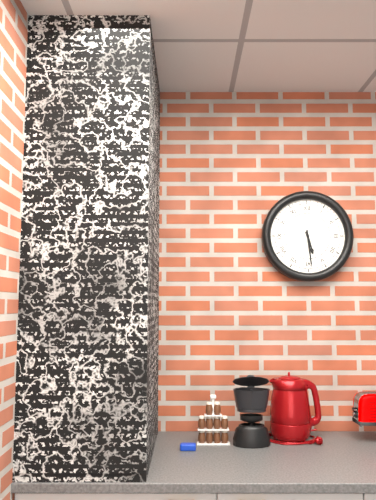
**5:29**
